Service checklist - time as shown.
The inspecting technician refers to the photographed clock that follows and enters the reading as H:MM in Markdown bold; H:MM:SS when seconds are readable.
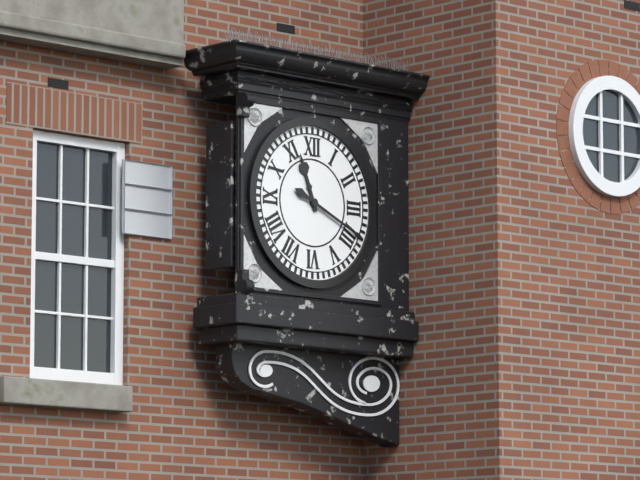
**11:19**
